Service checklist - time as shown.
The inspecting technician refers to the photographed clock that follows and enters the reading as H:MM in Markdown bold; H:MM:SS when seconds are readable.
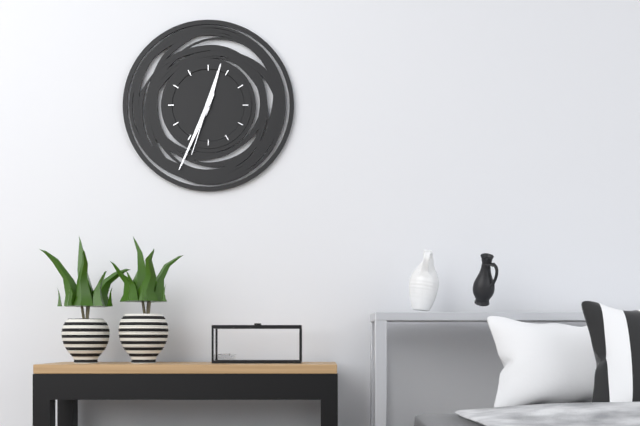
**12:34:33**
